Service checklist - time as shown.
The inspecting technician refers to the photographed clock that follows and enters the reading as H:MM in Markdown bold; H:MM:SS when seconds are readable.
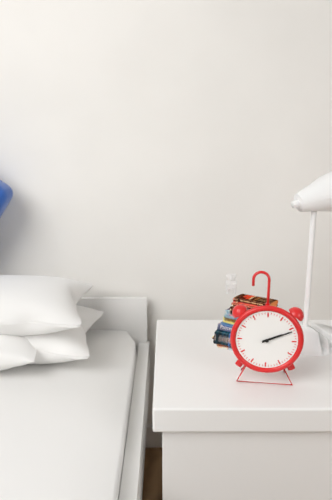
**2:11**
